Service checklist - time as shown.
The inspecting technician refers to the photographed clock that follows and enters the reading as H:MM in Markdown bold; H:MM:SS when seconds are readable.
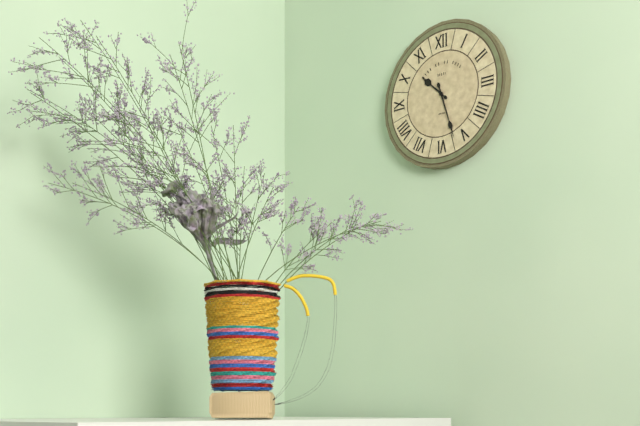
**10:27**
